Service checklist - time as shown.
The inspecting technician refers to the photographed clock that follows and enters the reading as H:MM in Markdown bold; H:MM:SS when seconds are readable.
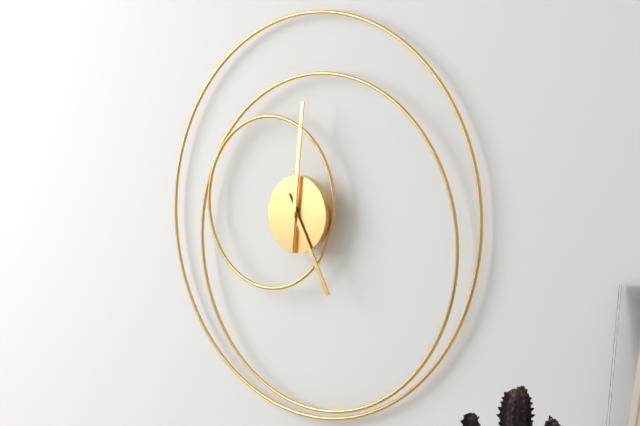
**5:01**
